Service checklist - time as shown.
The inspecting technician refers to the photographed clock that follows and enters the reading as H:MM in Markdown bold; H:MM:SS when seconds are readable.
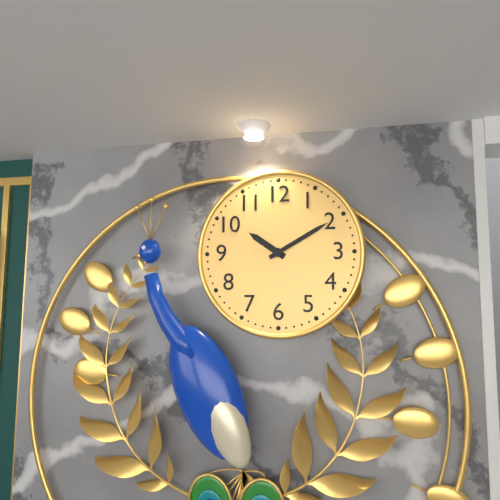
**10:10**
